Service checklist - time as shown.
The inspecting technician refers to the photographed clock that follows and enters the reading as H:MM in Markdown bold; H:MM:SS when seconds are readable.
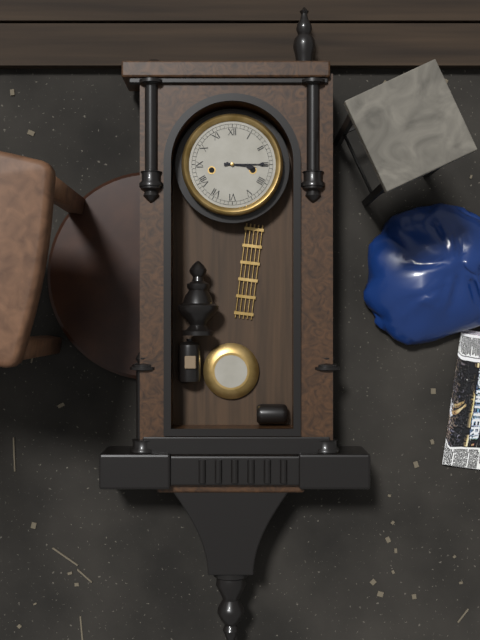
**3:15**
